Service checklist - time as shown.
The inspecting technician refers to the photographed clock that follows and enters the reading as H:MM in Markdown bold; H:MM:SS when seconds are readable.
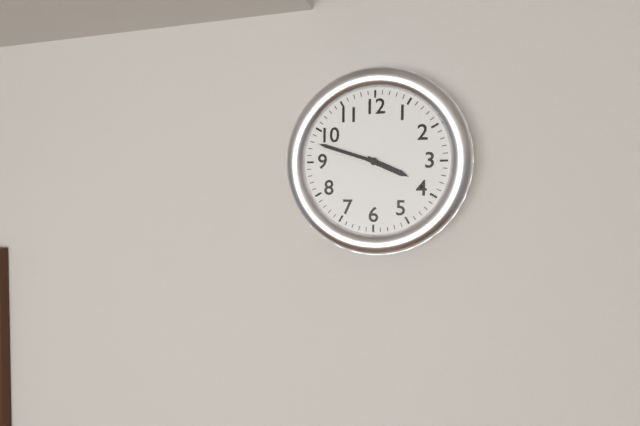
**3:48**
